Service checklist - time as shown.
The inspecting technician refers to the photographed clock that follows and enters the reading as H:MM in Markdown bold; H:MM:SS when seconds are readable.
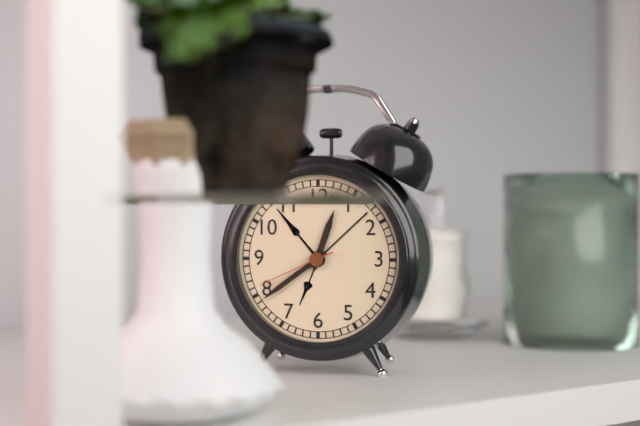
**12:39:41**
